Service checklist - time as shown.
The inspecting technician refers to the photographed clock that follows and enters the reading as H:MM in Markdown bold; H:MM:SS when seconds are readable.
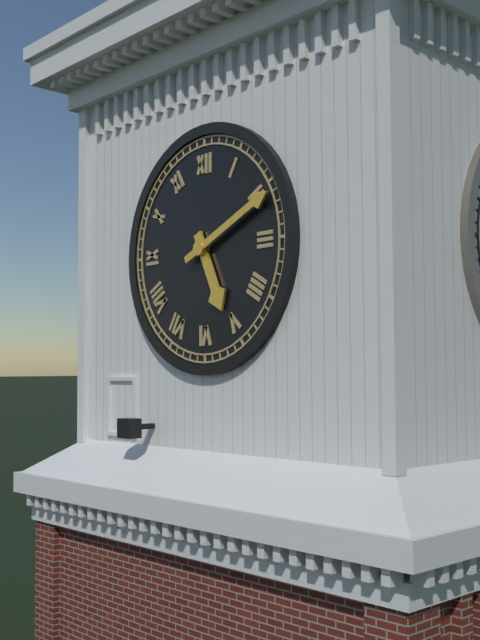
**5:11**
